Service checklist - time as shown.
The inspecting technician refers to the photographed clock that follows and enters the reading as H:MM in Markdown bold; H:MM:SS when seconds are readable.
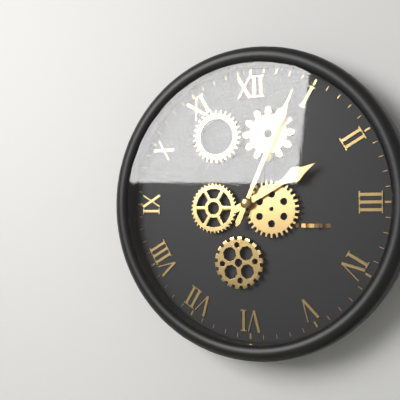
**2:04**
